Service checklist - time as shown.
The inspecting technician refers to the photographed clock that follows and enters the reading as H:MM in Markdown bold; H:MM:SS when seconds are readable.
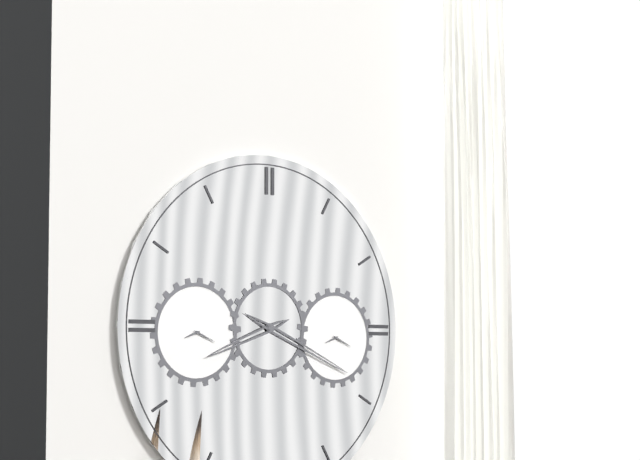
**8:19**
